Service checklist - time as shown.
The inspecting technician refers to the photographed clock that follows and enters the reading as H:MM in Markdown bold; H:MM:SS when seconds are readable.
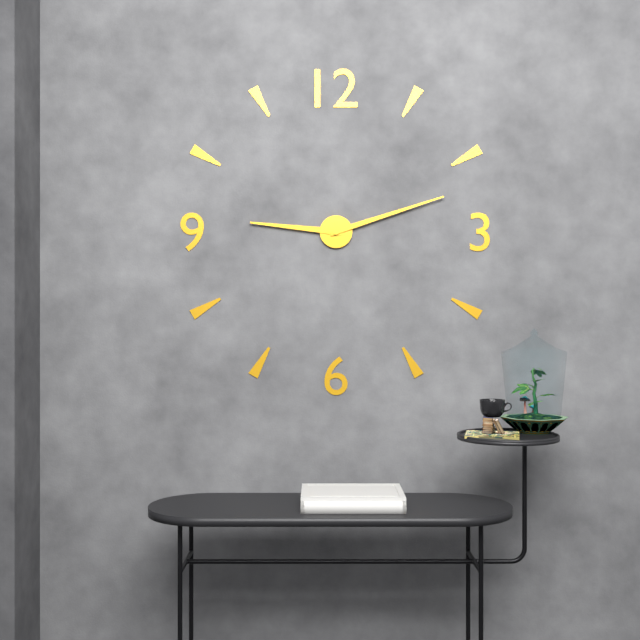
**9:12**
